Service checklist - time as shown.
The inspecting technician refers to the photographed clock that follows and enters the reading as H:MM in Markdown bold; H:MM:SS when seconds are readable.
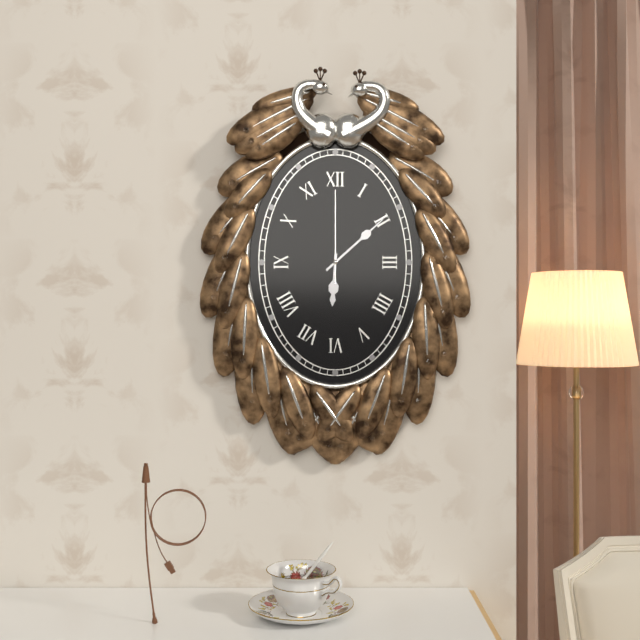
**6:08:00**
